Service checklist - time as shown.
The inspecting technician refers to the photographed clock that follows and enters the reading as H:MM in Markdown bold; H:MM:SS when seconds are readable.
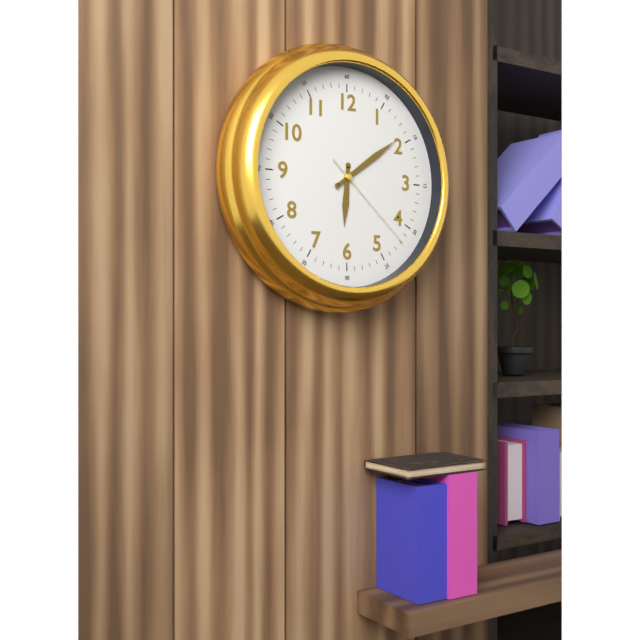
**6:09:22**
